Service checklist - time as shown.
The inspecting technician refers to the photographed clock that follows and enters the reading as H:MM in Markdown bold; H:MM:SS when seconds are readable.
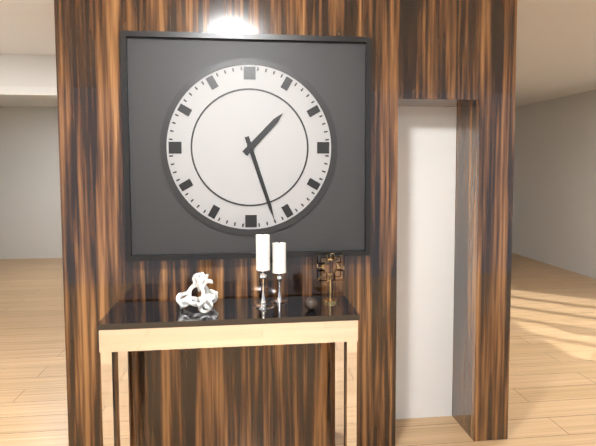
**1:27**
